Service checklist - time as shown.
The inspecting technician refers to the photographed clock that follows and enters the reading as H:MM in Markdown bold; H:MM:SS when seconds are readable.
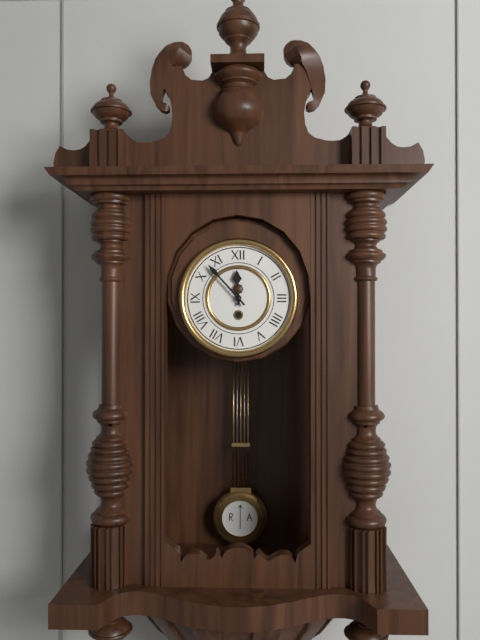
**11:53**
